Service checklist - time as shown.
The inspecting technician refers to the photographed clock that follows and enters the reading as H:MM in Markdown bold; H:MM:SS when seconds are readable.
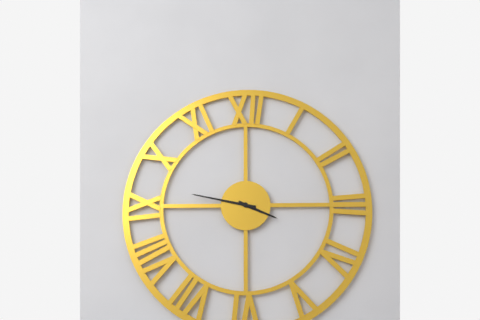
**3:47**
